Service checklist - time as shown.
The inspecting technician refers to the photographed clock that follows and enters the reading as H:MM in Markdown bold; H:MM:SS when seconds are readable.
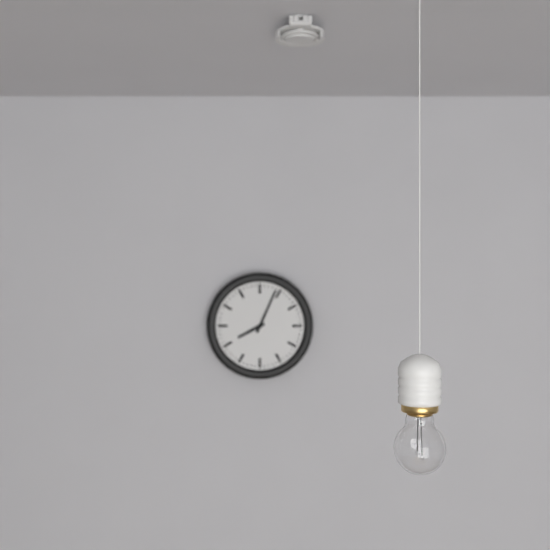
**8:04**
